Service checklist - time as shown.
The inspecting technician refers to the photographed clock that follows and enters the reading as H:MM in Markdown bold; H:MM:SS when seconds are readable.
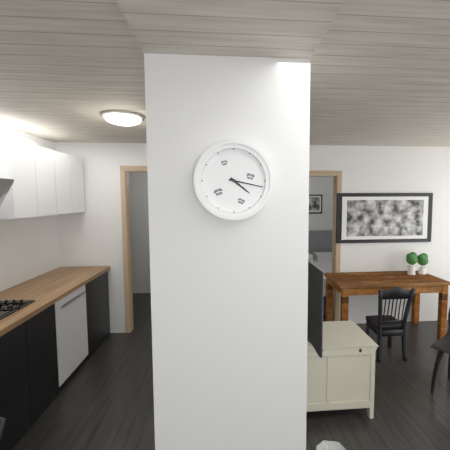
**4:17**
